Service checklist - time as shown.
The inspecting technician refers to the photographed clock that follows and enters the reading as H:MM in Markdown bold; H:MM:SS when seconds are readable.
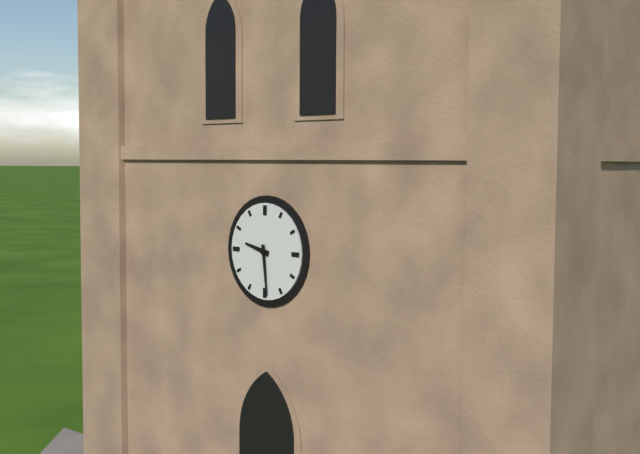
**9:29**
